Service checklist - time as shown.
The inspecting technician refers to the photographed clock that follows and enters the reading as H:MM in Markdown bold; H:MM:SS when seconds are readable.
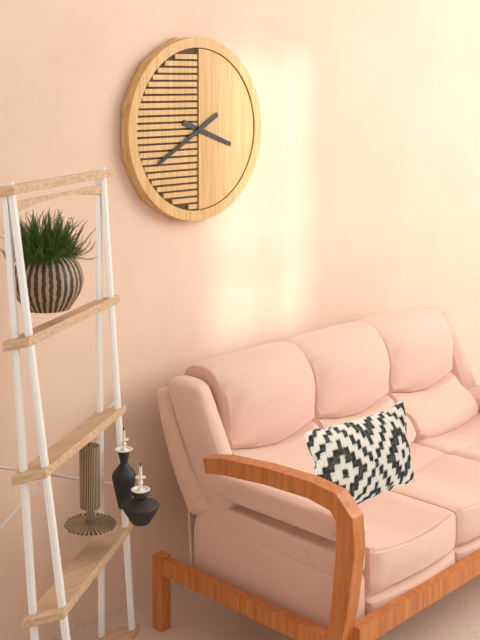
**3:40**
